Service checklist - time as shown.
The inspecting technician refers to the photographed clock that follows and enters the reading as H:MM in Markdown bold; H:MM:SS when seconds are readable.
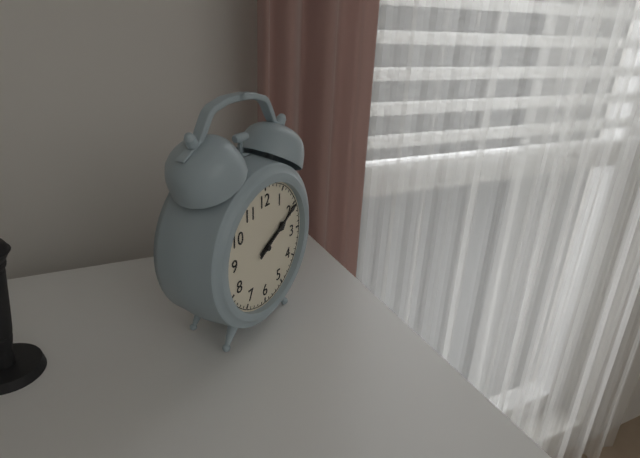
**2:10**
